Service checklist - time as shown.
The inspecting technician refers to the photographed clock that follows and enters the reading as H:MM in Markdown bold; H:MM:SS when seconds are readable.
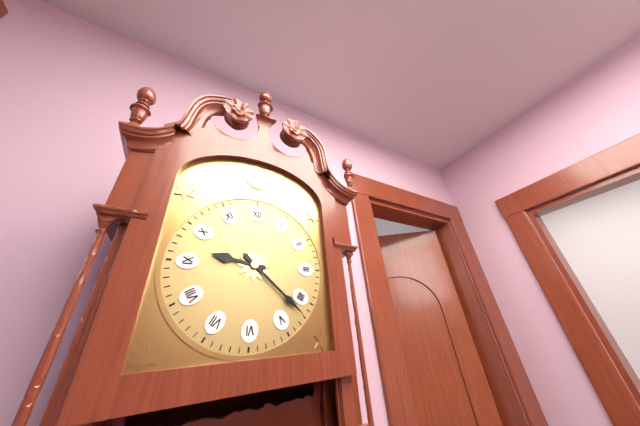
**9:22**
